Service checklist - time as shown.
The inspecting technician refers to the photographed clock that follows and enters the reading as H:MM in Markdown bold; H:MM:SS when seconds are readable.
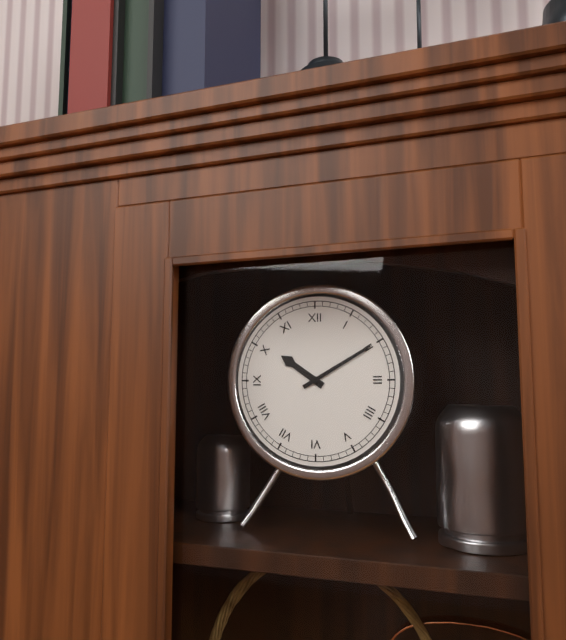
**10:10**
